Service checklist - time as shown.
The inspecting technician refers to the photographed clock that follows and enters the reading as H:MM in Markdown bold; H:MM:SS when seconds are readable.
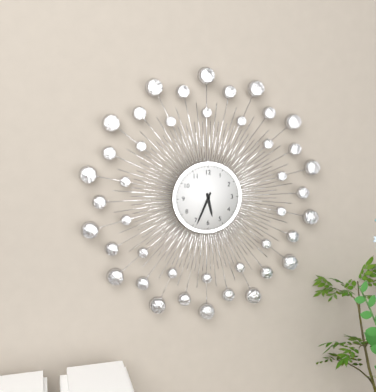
**5:34**
